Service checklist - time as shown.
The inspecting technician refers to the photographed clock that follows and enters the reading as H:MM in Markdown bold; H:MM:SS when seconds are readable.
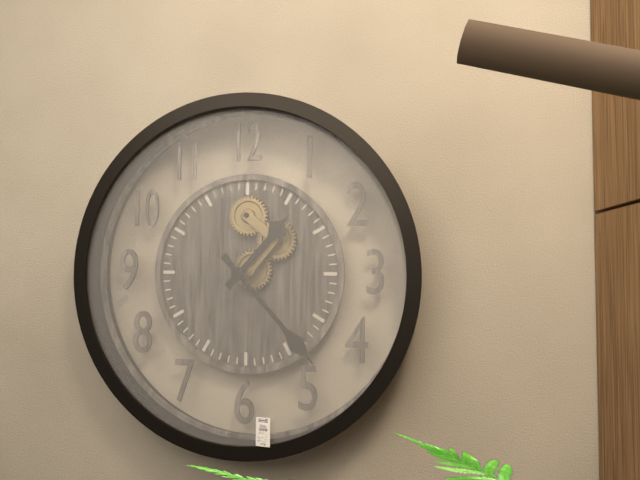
**1:23**
